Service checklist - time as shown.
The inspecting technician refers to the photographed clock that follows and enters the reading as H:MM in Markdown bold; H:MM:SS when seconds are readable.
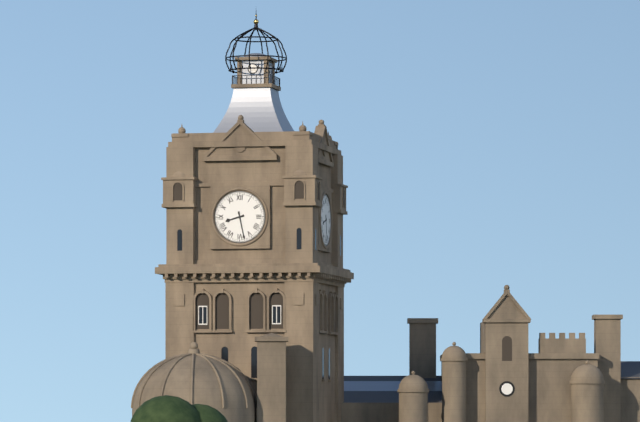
**8:28**
